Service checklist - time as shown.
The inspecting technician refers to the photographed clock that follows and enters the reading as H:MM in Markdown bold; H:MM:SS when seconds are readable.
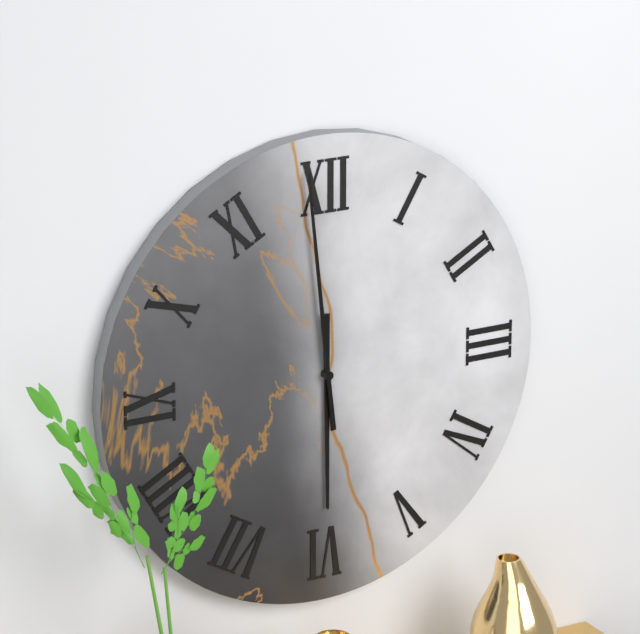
**5:59**
